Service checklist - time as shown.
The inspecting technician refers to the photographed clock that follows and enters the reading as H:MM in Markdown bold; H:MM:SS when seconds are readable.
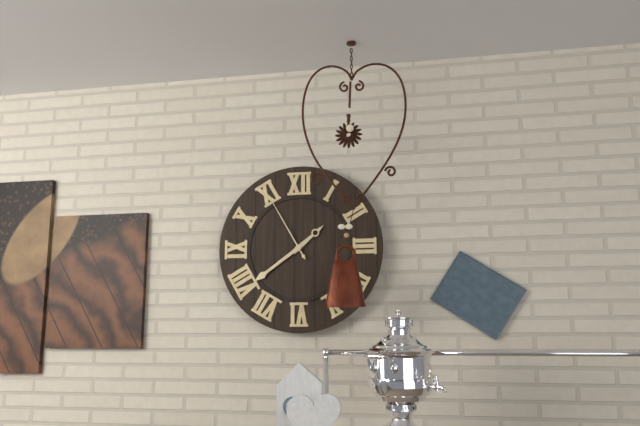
**1:39:55**
